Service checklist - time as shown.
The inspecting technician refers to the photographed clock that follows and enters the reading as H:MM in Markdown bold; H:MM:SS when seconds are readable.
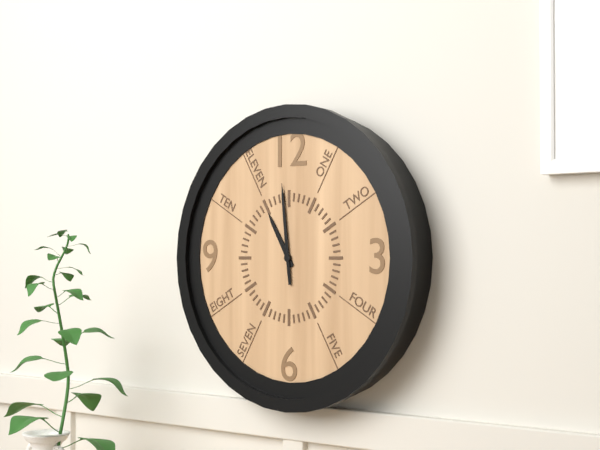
**10:59**
